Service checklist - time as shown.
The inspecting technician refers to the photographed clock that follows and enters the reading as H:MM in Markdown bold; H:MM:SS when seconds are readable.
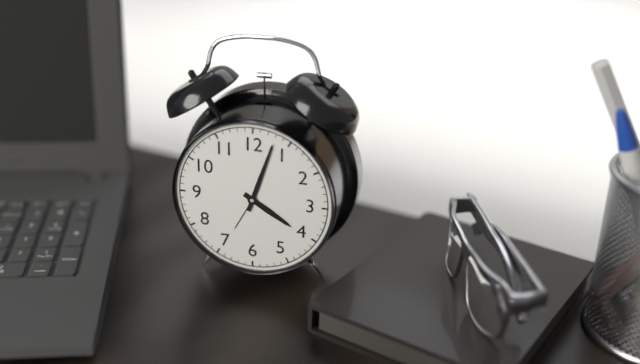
**4:03**
